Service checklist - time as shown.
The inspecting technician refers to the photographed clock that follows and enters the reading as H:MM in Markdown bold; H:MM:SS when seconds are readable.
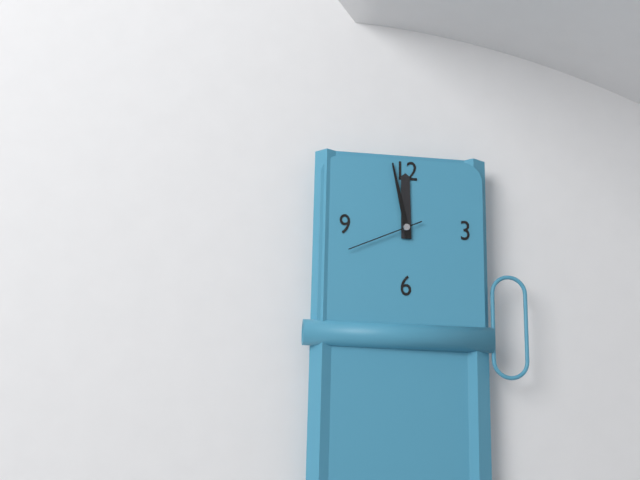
**11:58:41**
